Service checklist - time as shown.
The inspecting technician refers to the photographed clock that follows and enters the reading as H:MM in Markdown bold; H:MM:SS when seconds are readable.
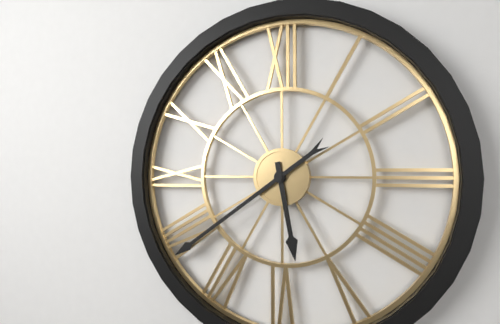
**5:39**
